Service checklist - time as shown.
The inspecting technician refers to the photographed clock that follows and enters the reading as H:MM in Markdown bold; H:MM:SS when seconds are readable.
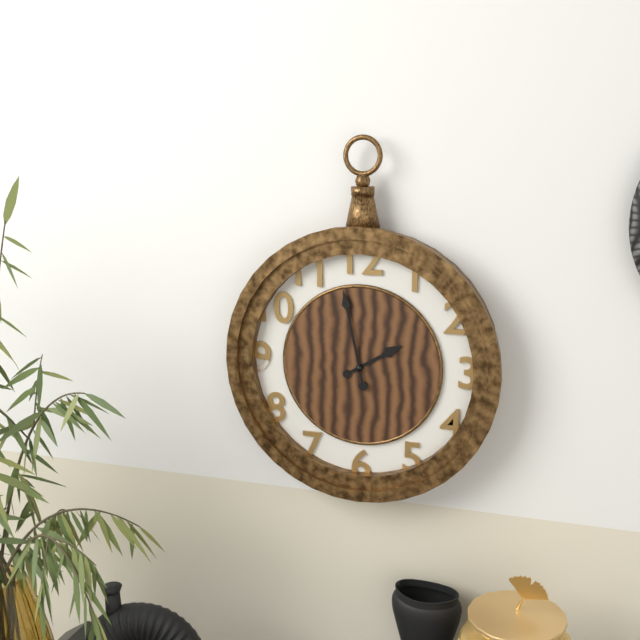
**1:58**
